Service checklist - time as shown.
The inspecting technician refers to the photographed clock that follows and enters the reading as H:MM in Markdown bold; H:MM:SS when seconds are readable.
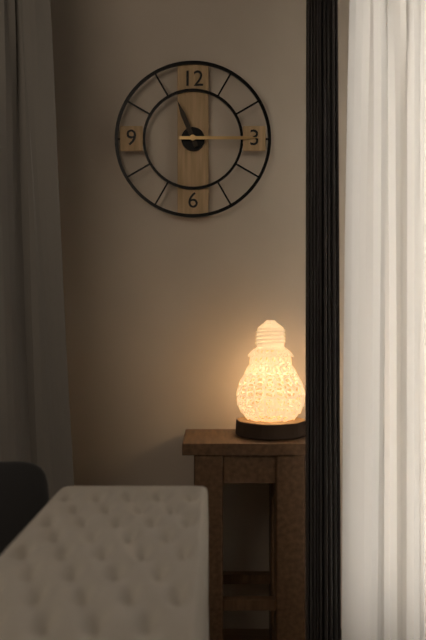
**11:15**
